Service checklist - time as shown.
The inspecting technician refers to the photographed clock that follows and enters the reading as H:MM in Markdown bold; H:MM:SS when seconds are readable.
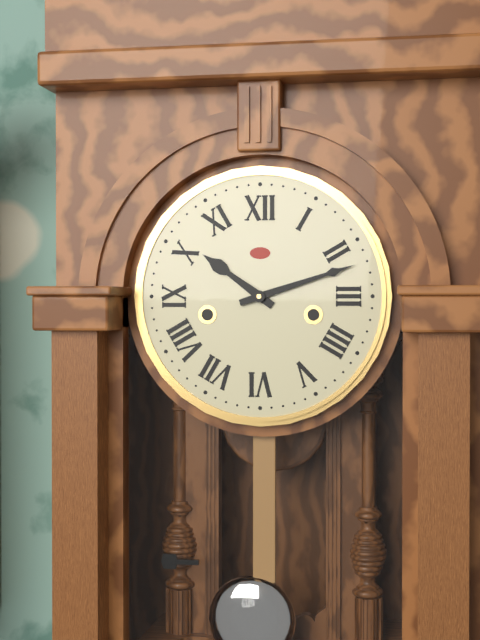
**10:12**
